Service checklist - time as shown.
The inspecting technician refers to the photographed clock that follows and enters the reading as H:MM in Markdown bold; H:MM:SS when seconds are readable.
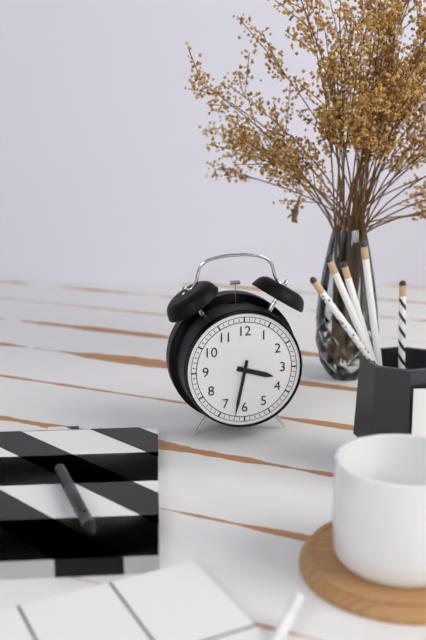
**3:32**
